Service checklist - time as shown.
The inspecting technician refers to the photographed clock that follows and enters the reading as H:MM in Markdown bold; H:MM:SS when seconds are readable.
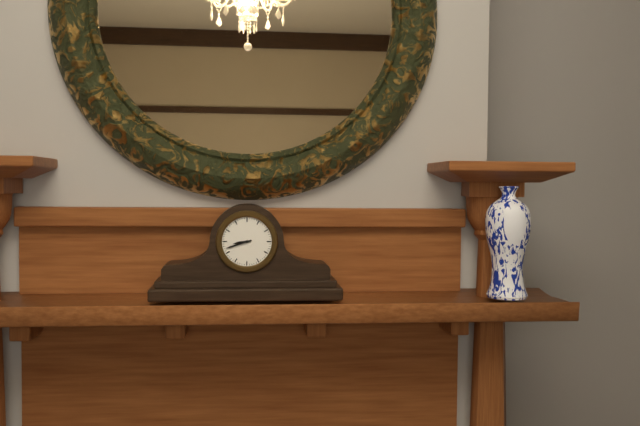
**8:42**
